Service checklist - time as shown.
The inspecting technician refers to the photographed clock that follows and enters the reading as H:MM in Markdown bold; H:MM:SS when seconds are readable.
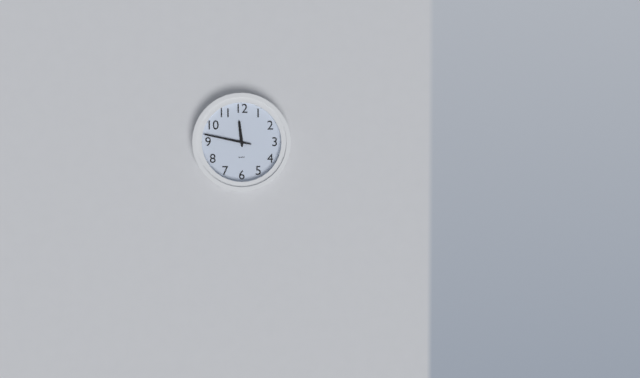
**11:47**
